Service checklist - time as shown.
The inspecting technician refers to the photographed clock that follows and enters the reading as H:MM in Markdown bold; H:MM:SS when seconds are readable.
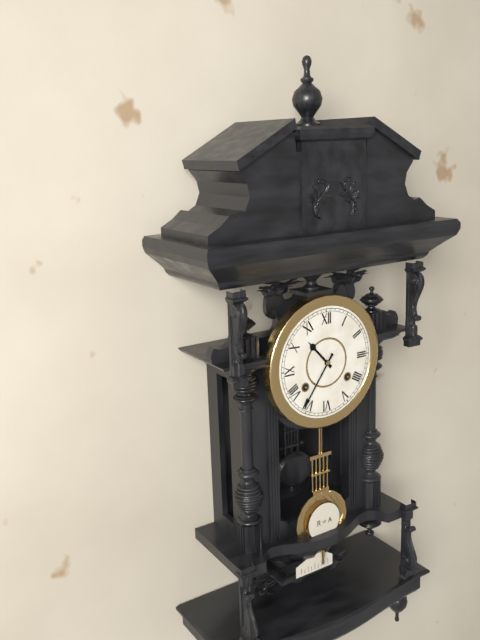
**10:36**
